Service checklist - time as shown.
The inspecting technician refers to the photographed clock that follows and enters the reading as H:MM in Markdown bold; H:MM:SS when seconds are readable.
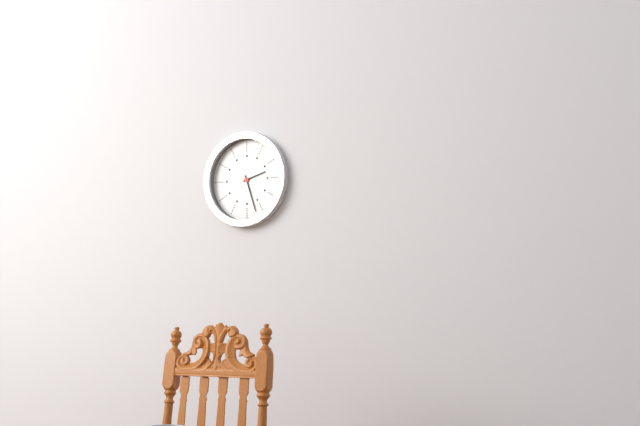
**2:27**
